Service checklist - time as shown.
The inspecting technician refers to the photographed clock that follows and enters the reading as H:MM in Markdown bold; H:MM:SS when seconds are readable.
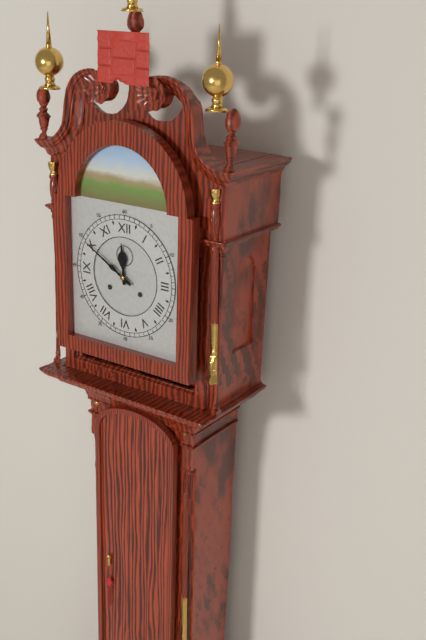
**11:50**
